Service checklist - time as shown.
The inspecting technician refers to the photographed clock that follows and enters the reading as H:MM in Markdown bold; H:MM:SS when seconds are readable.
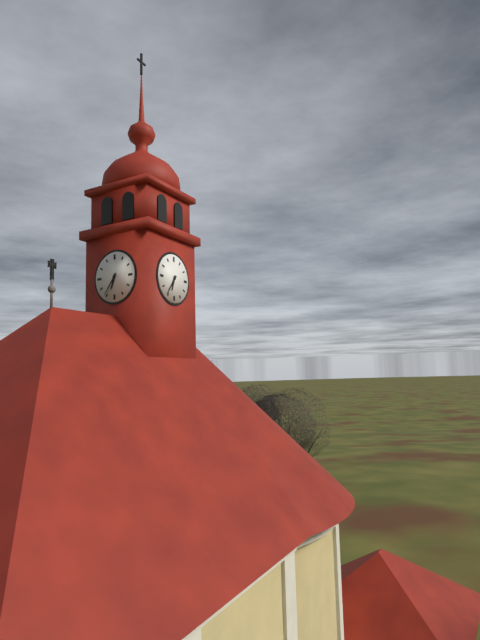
**6:36**
